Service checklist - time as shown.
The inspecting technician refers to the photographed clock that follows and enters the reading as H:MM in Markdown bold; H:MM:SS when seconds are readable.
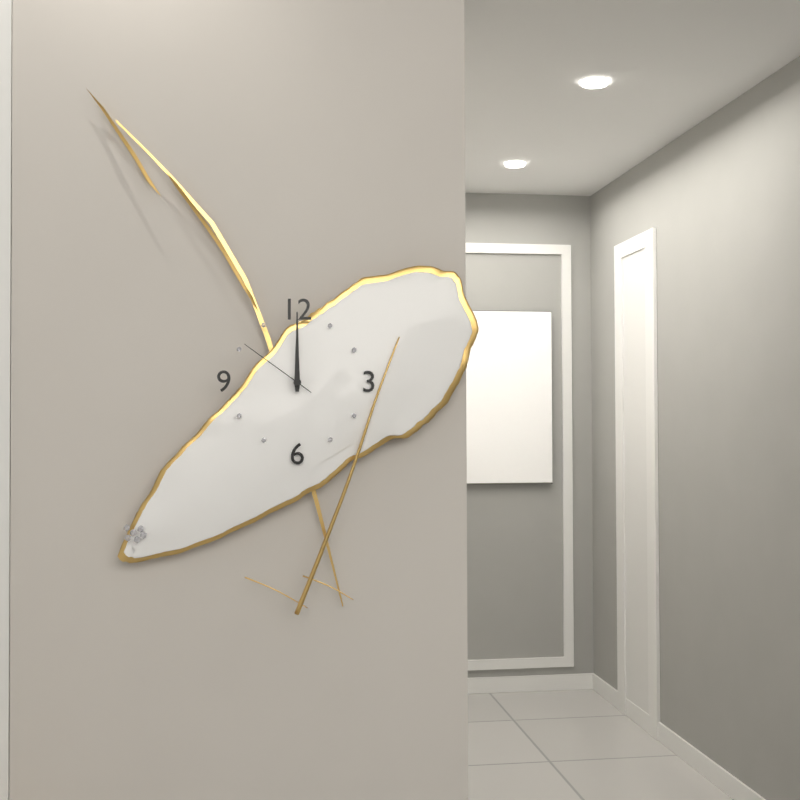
**12:00:51**
